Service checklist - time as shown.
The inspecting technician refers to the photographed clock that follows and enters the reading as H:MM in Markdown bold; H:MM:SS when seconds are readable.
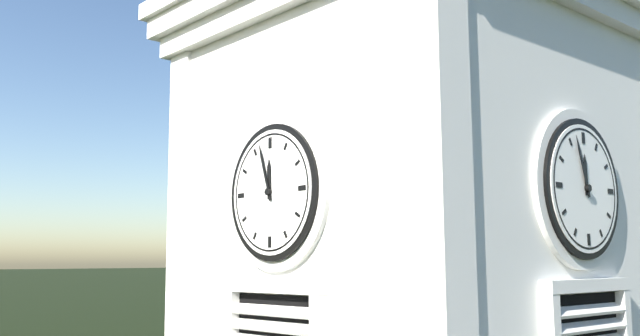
**11:57**
